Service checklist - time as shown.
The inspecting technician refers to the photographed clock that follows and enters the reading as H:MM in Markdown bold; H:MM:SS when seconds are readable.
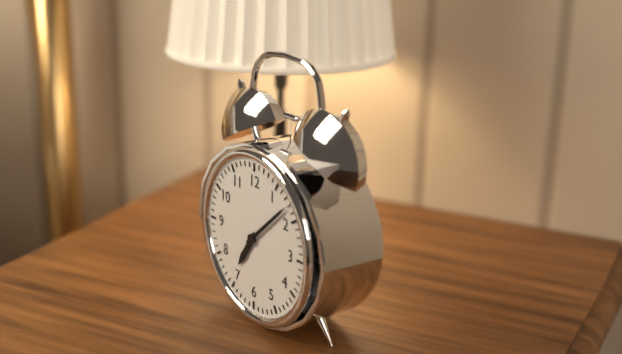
**7:08**
